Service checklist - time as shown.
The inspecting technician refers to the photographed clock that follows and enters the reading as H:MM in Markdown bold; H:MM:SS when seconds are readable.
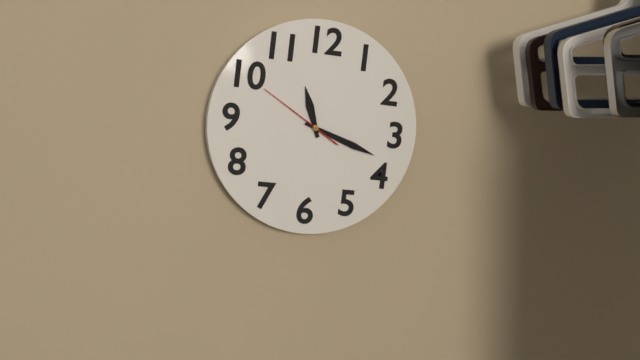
**11:18:50**
